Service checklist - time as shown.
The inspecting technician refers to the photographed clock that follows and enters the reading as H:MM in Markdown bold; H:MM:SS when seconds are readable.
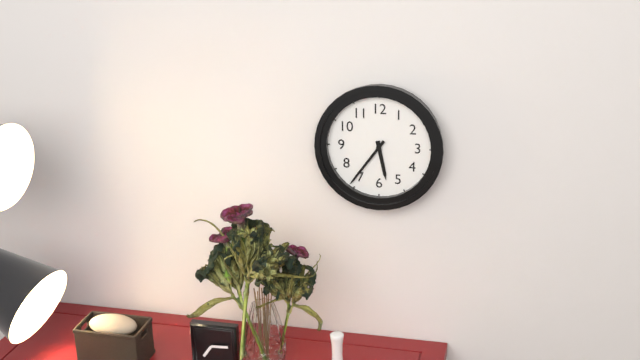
**5:36**
